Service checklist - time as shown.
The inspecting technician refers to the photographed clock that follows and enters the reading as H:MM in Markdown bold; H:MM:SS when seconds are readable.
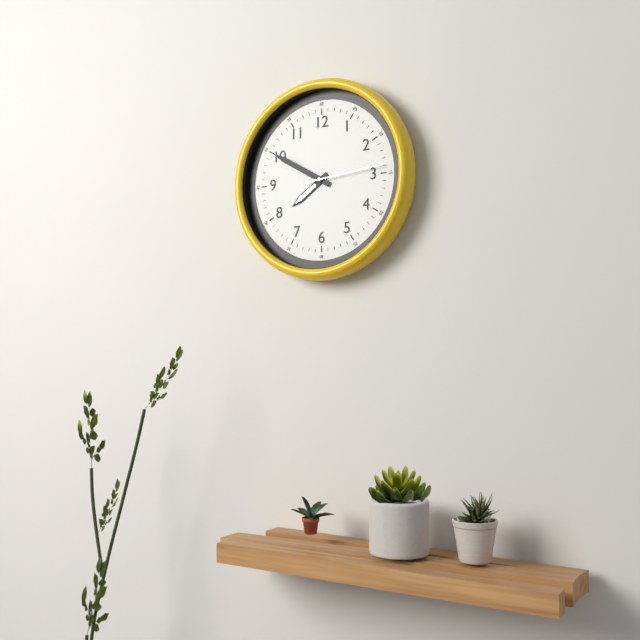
**7:50:14**
